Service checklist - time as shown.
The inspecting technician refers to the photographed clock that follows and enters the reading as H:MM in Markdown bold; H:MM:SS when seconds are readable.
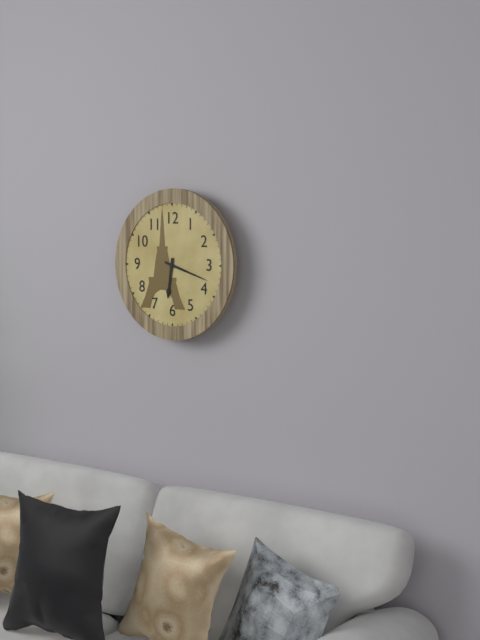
**6:18**
